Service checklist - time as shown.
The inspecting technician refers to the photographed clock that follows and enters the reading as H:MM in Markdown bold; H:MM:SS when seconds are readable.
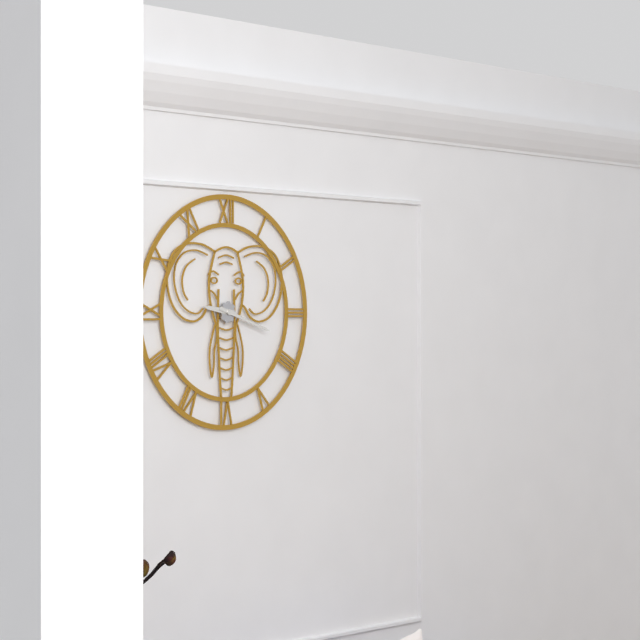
**9:18**
